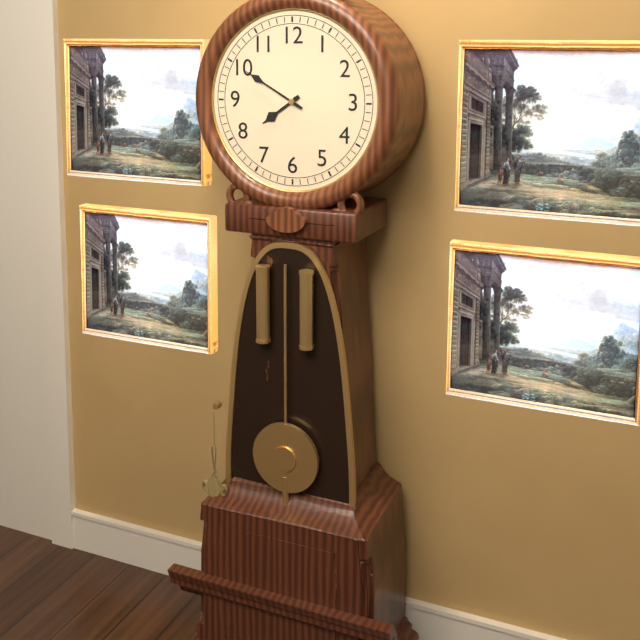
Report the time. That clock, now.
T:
7:50
